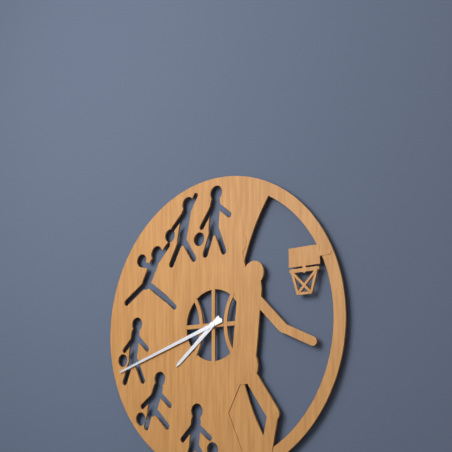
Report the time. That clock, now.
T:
7:42
